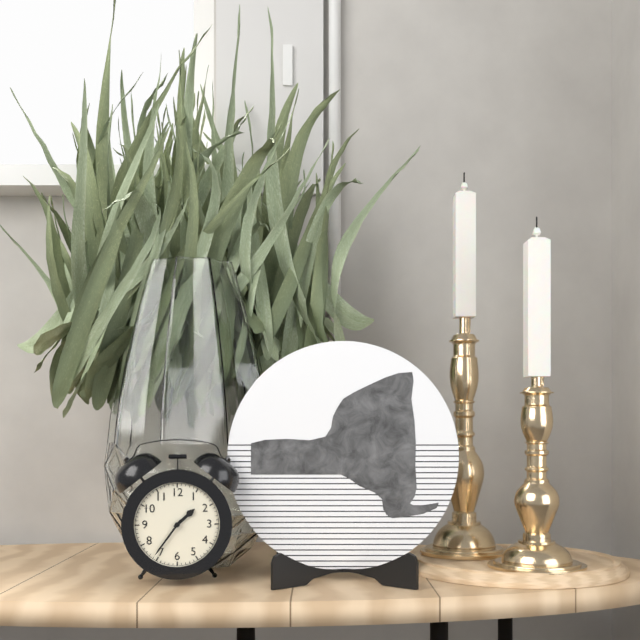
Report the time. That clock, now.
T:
1:36
